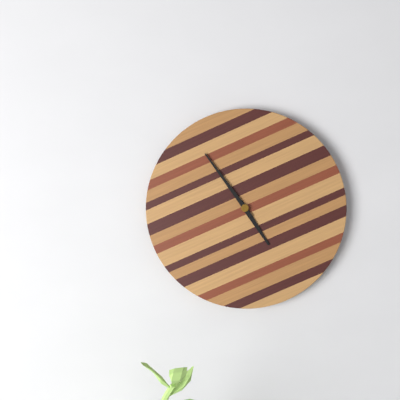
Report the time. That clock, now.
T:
4:54
